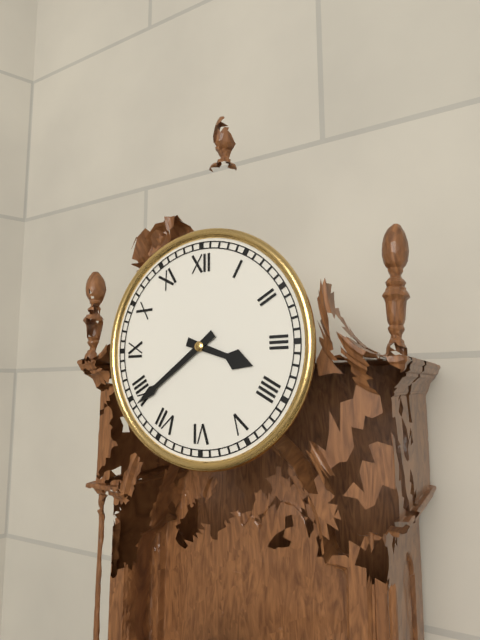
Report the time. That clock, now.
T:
3:39
